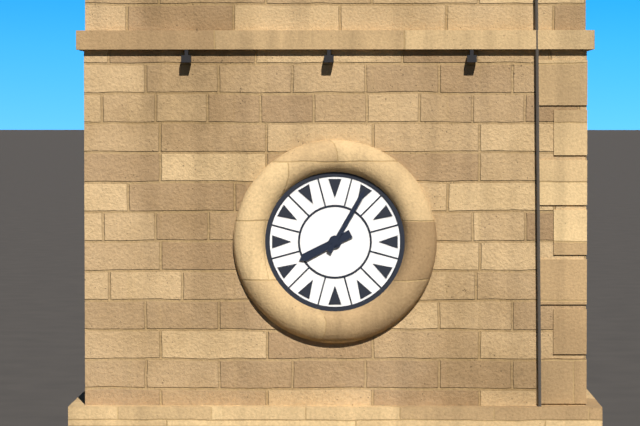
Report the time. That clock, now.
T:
8:05
